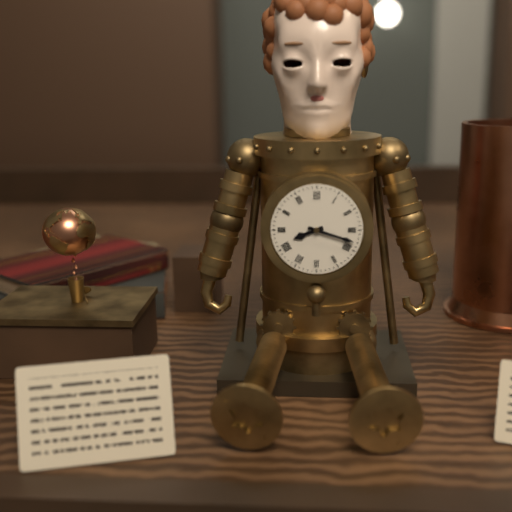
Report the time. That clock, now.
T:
8:18
